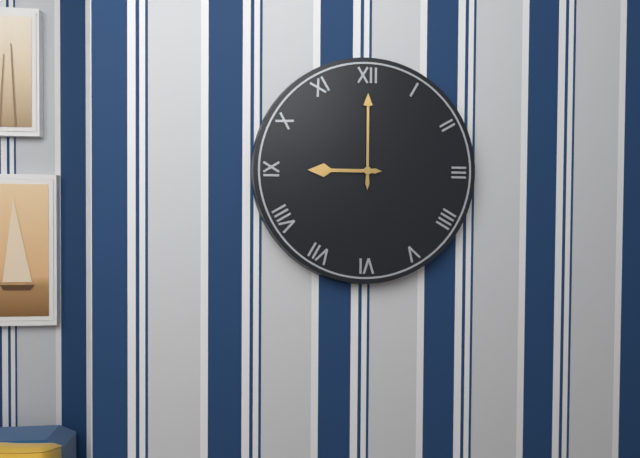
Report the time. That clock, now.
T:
9:00
